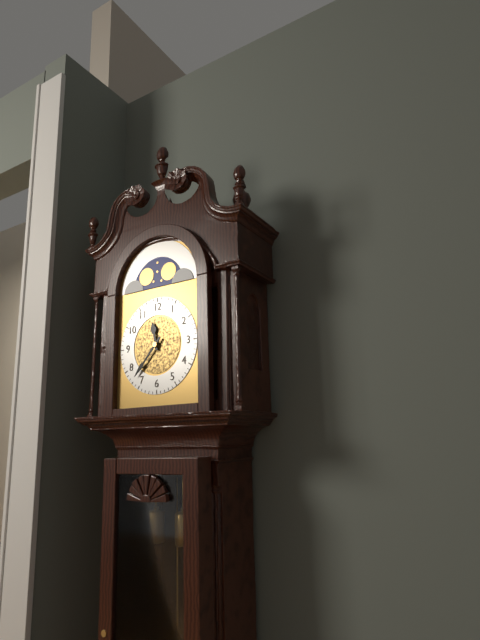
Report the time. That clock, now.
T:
11:37
